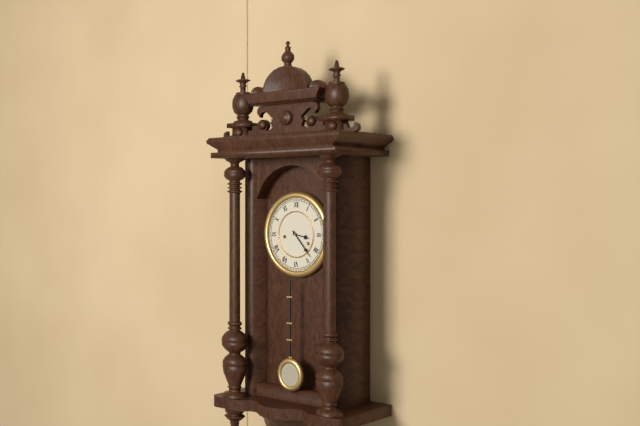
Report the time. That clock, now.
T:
3:23
